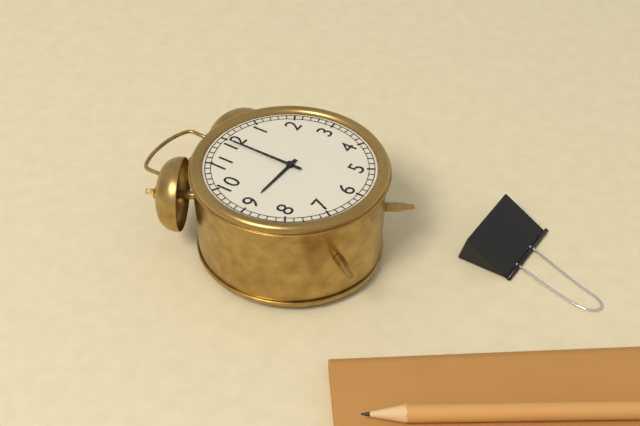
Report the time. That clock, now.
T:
9:00
